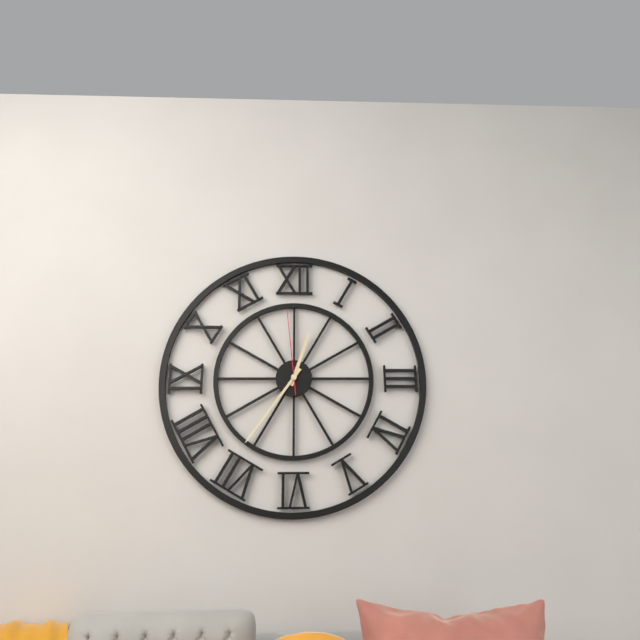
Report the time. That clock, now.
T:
12:36:59
